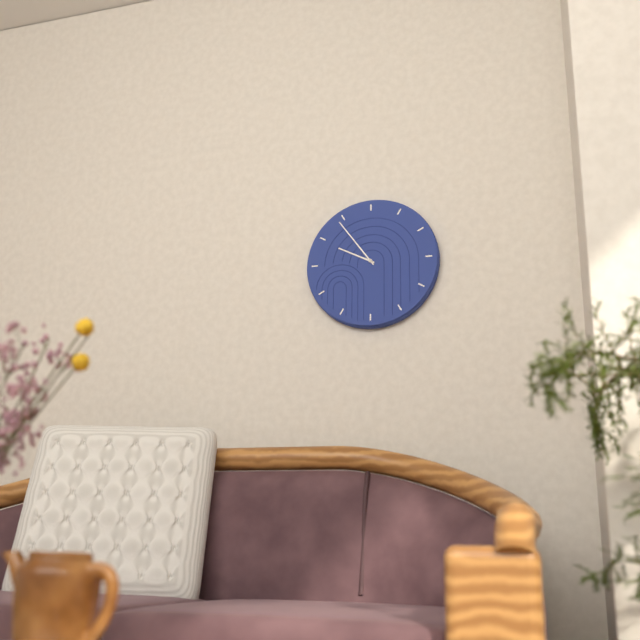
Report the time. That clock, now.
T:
9:54
